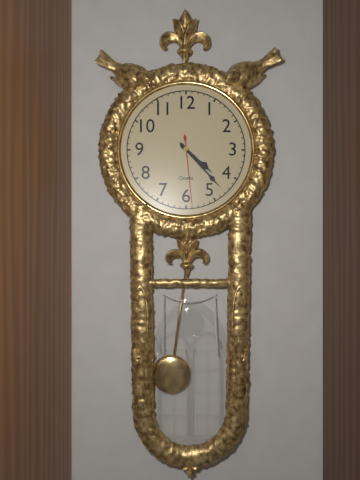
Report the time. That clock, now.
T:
4:23:29
